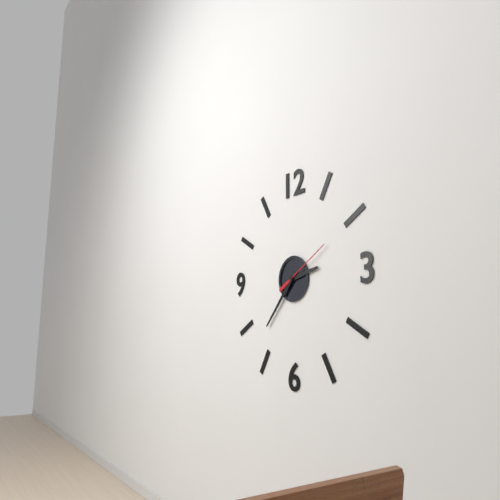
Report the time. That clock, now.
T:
2:37:10
